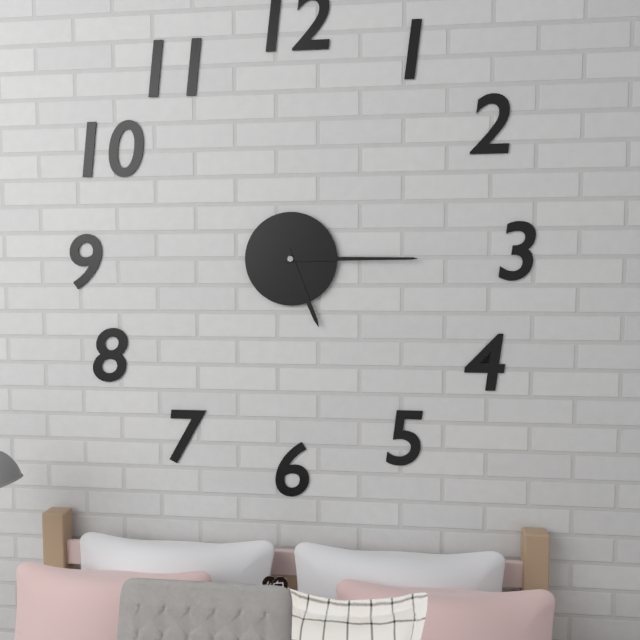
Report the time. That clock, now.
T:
5:15
